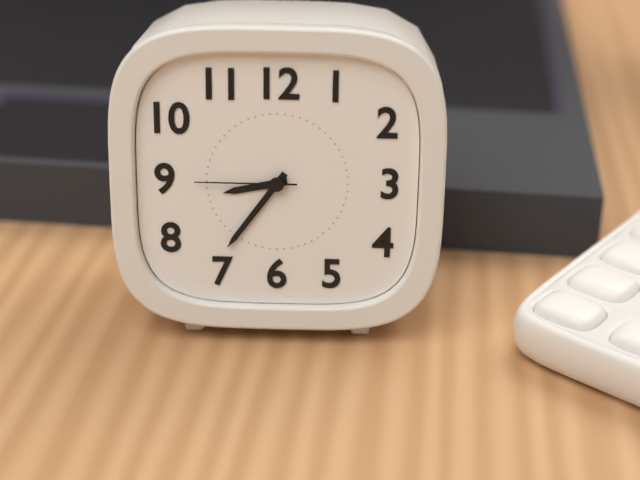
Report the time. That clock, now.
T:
8:36:45
